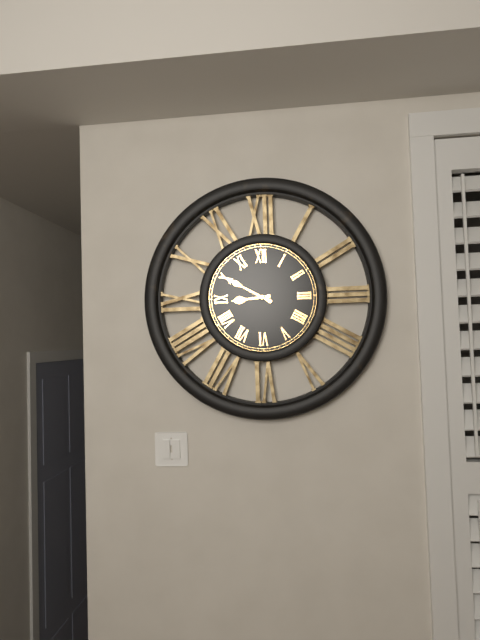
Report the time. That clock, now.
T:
8:50
